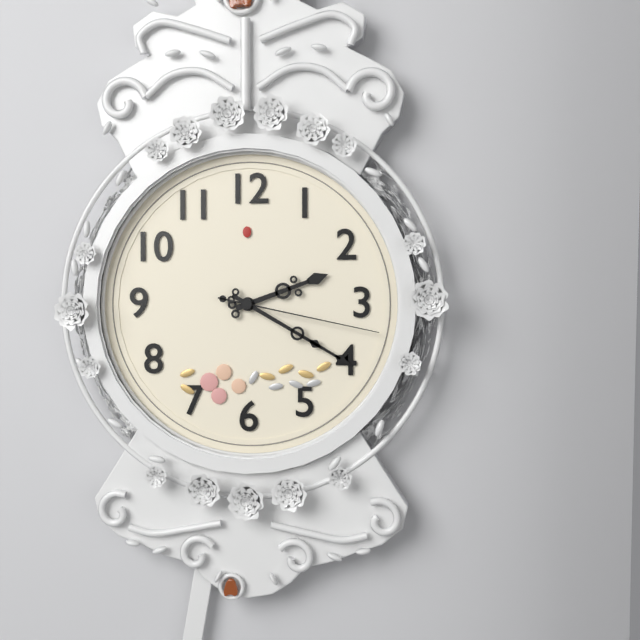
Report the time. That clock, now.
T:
2:20:17
